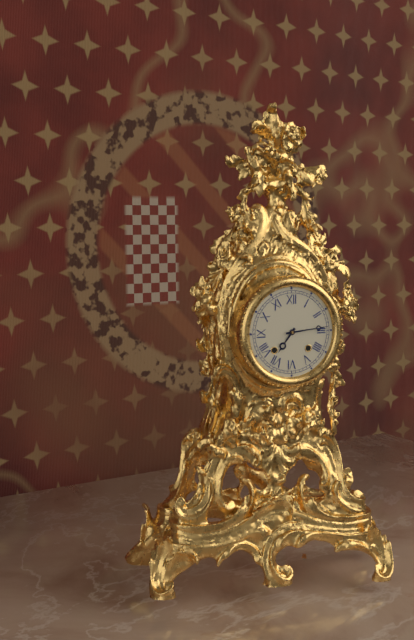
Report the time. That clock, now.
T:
7:14
